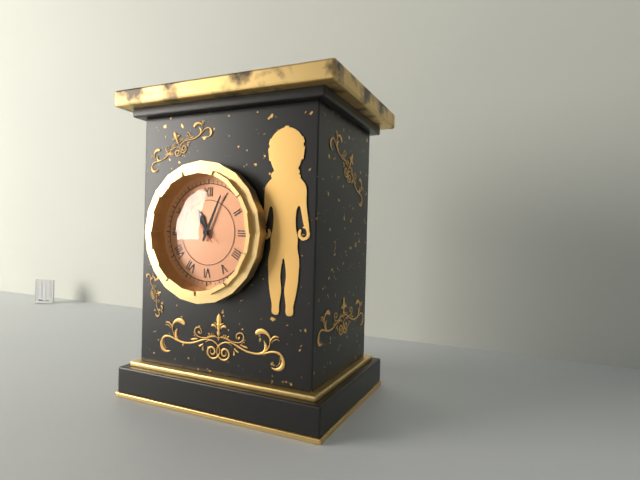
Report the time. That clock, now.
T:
11:04
